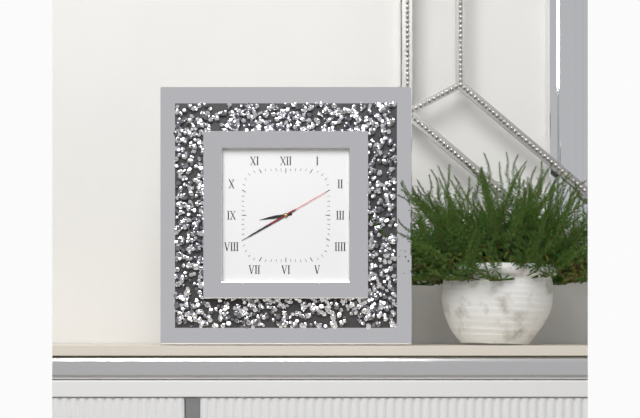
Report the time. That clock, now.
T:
8:40:10
